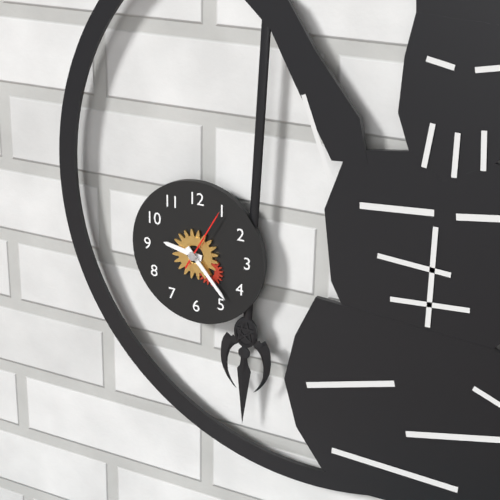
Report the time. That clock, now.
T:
9:23:05
